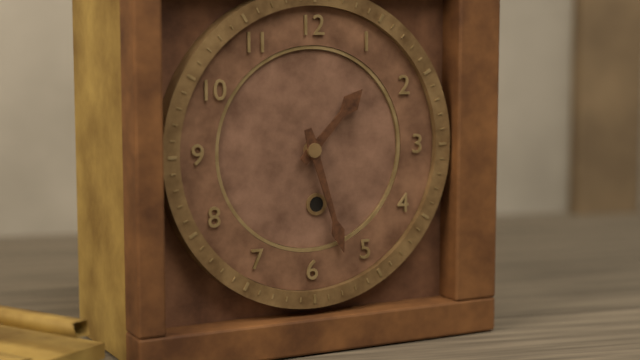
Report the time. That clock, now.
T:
1:27
